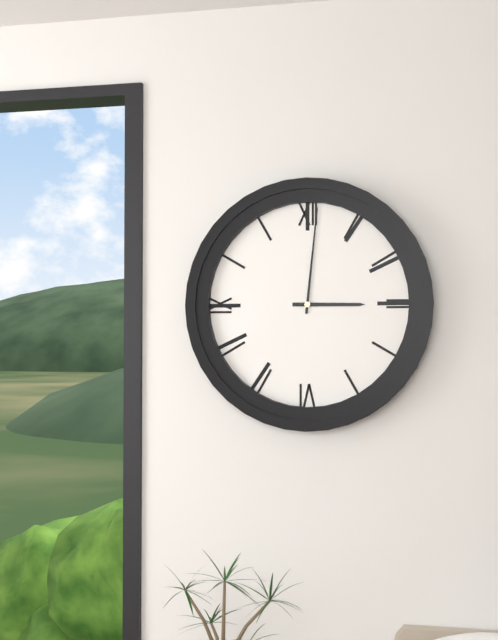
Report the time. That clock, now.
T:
3:01
